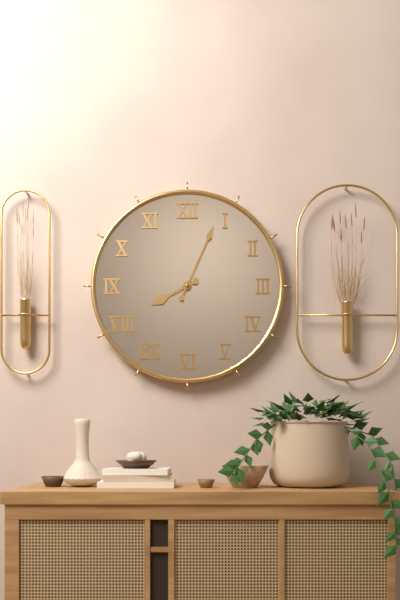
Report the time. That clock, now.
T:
8:04
